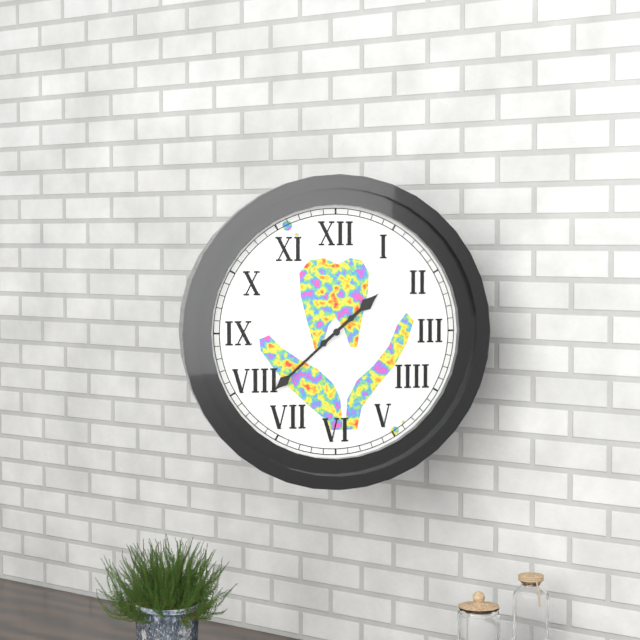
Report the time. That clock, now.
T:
1:38
